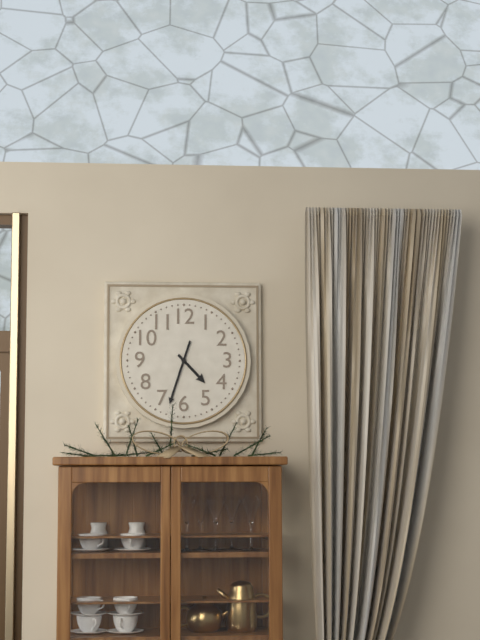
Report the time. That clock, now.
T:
4:33
